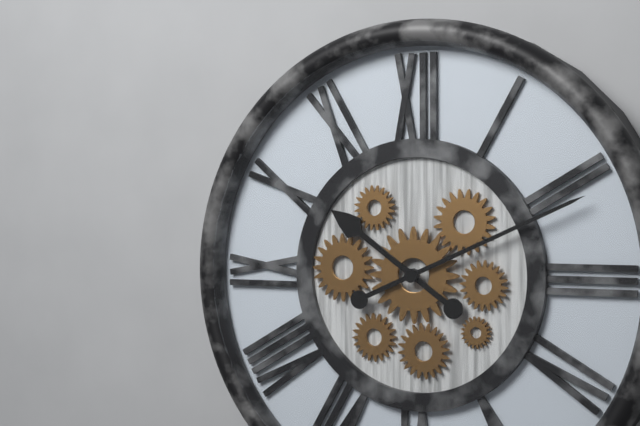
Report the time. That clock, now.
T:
10:11
